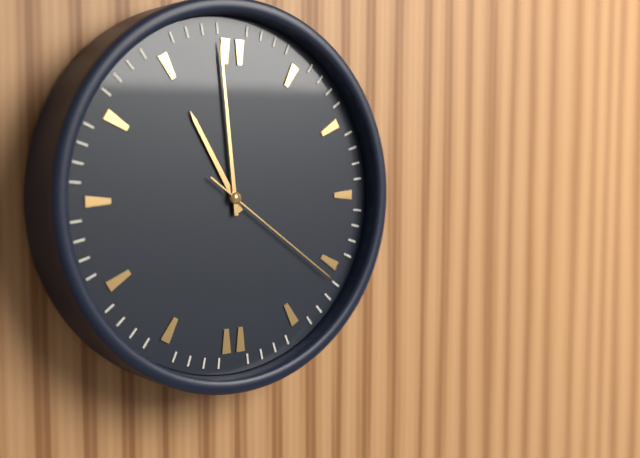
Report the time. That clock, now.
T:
10:59:21
